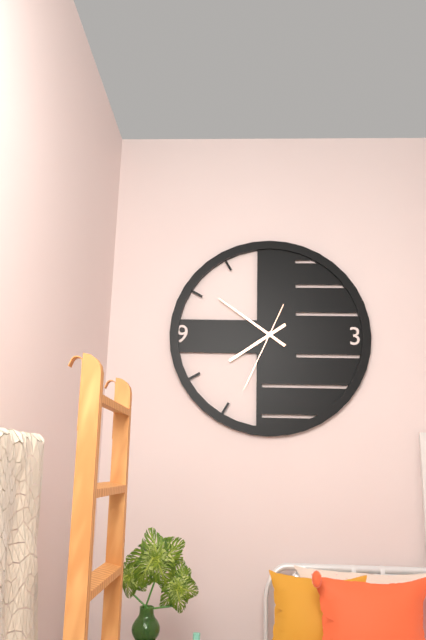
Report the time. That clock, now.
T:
7:51:34
